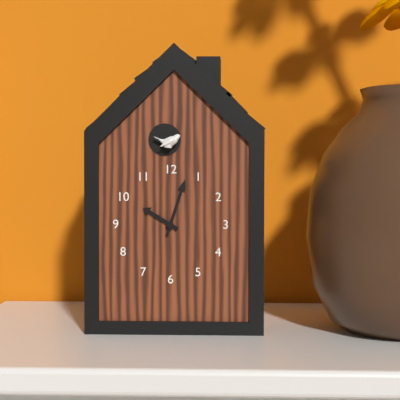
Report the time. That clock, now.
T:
10:03
